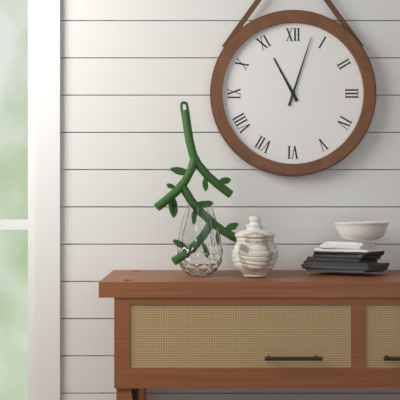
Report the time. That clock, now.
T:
11:03
